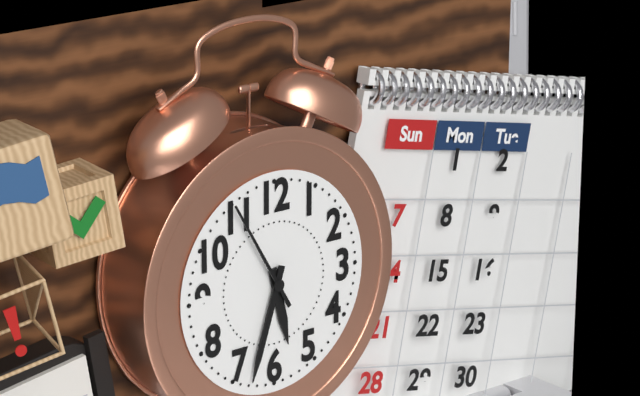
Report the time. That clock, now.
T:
5:33:55
